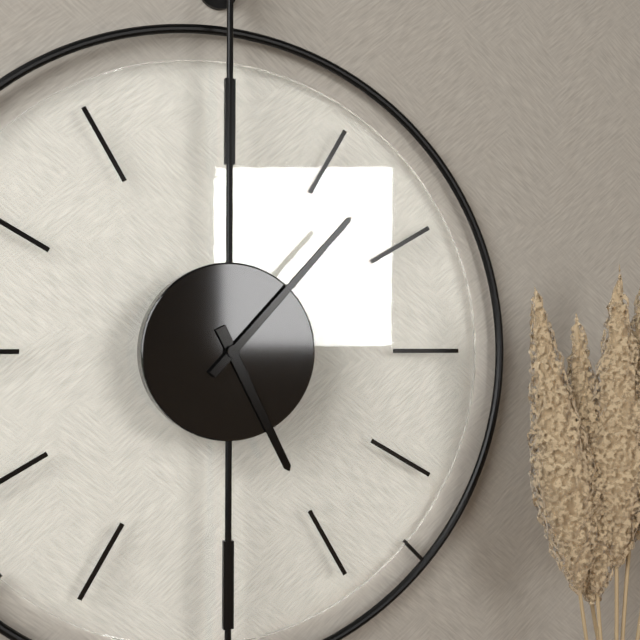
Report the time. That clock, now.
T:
5:07
